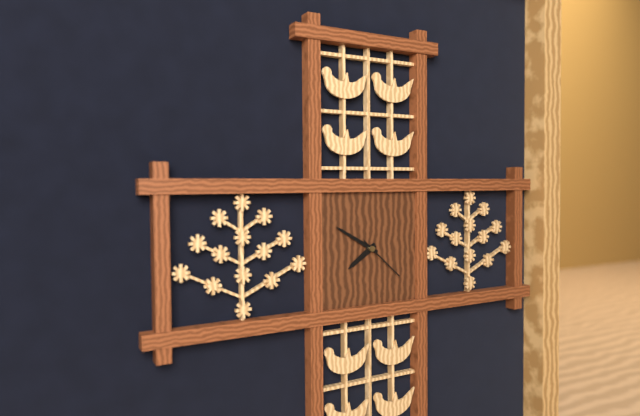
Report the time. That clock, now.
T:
7:50:22
